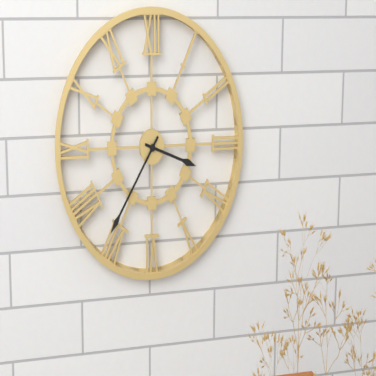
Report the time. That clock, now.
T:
3:36
